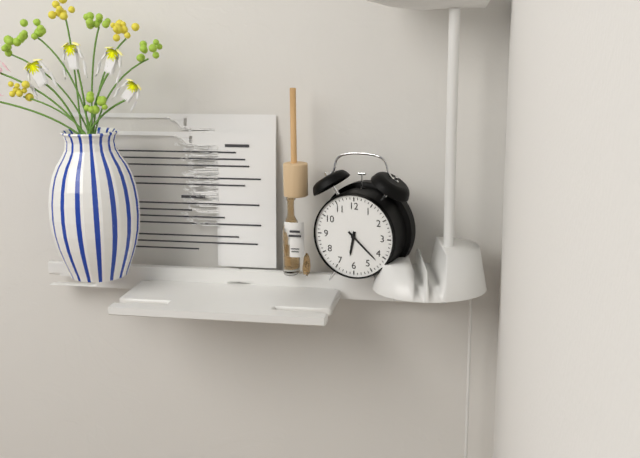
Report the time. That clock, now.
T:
6:22
